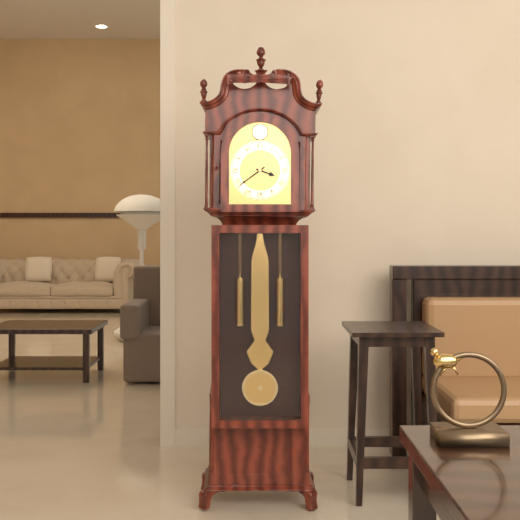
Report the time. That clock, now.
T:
3:39
